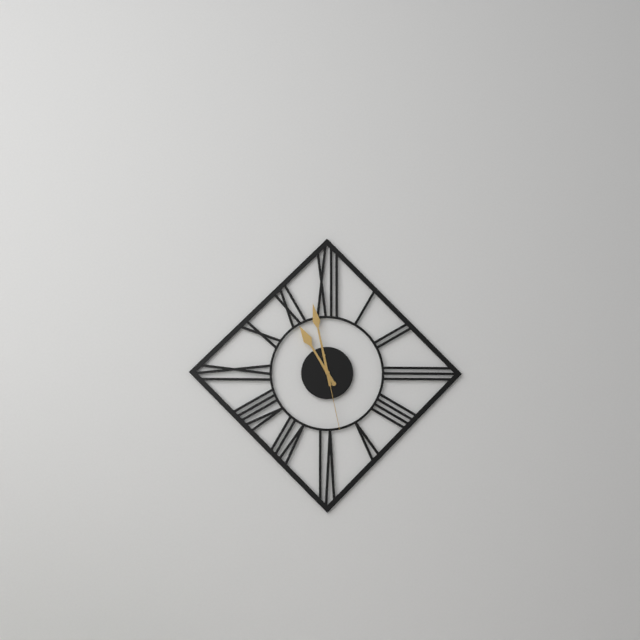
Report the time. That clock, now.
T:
10:58:28
